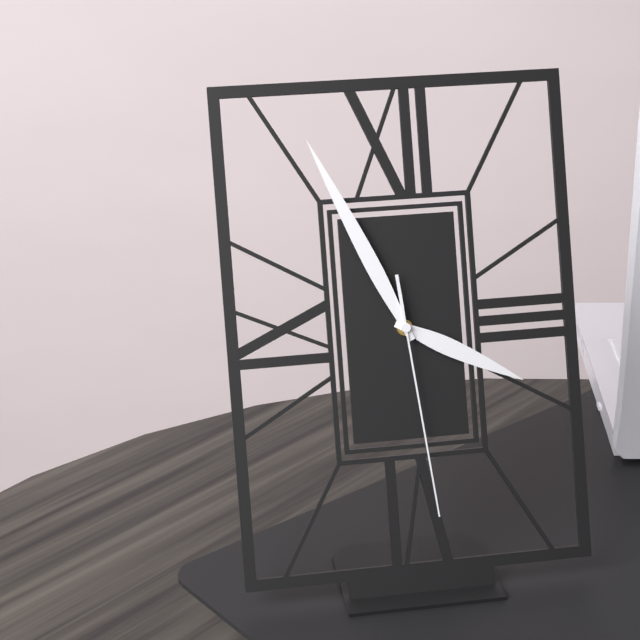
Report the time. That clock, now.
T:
3:56:29
